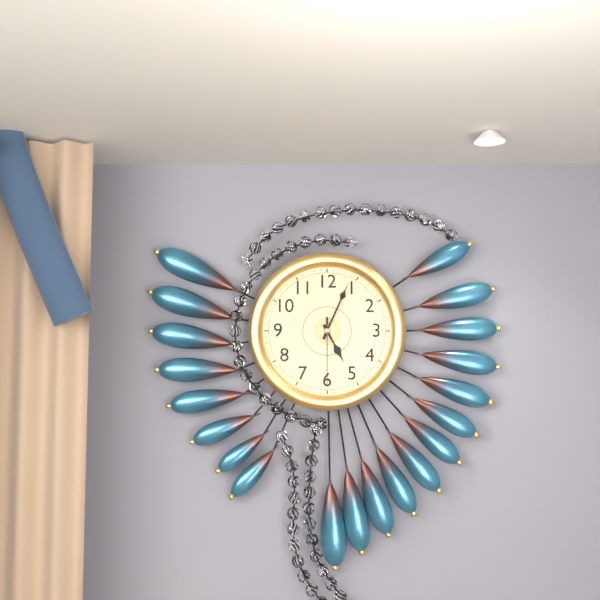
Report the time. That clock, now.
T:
5:04:30
